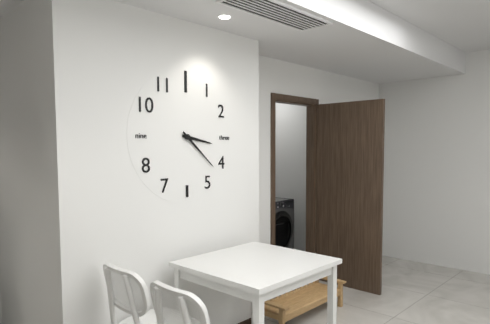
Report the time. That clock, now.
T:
3:22
